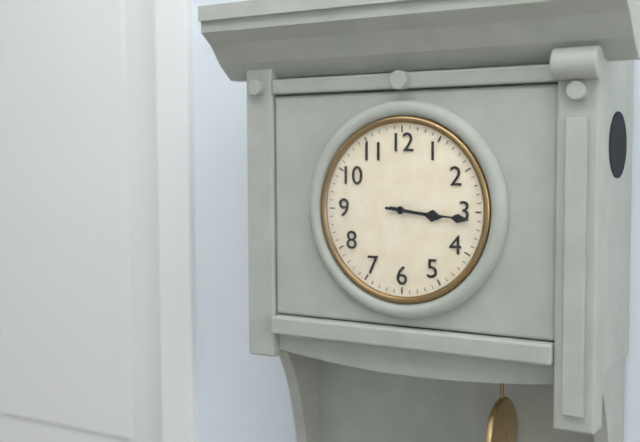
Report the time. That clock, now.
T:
3:16
